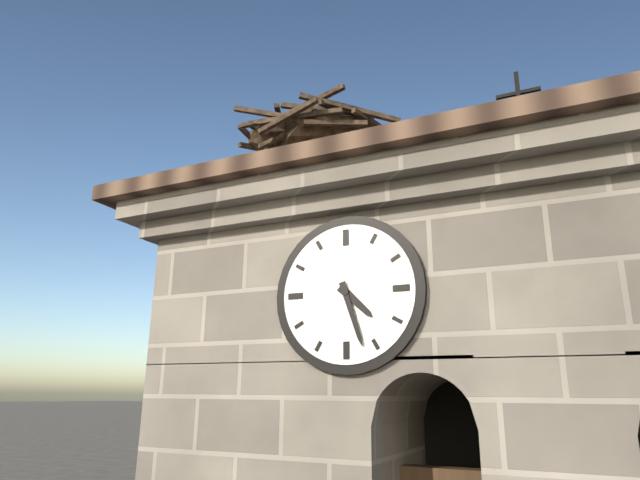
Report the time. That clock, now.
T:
4:27
